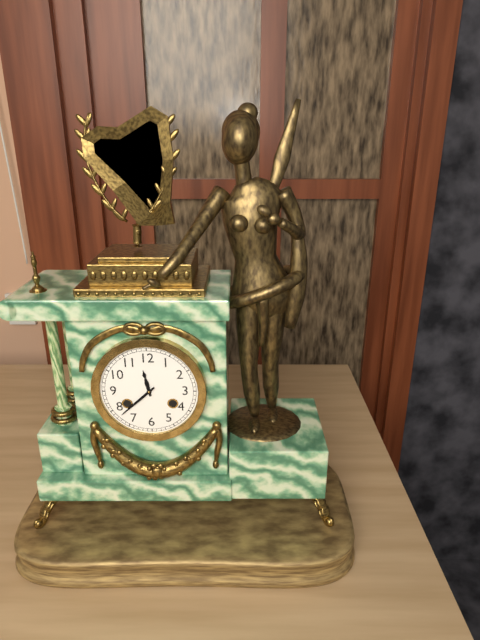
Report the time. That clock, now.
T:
11:38
